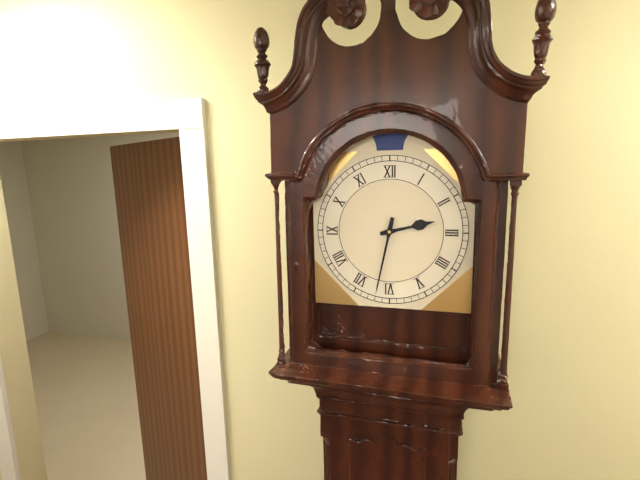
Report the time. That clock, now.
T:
2:32
